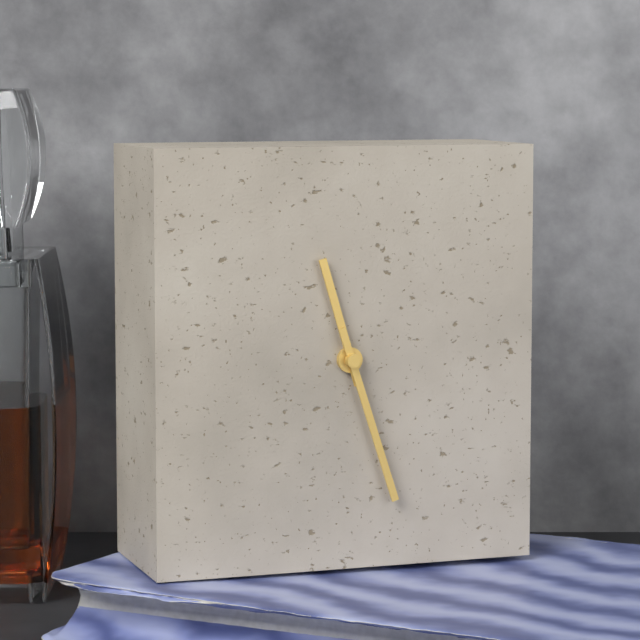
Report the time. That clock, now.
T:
11:27
